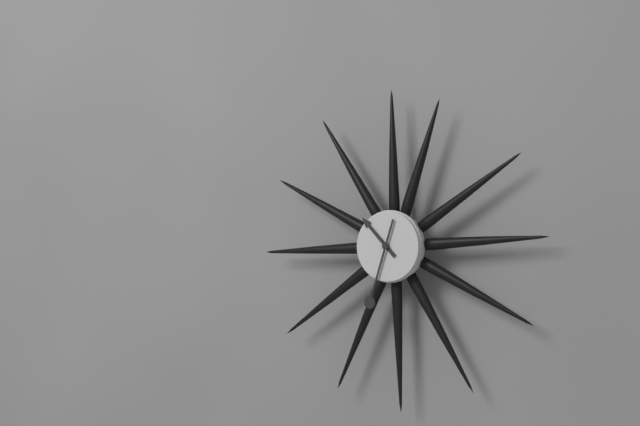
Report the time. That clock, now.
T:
10:33
